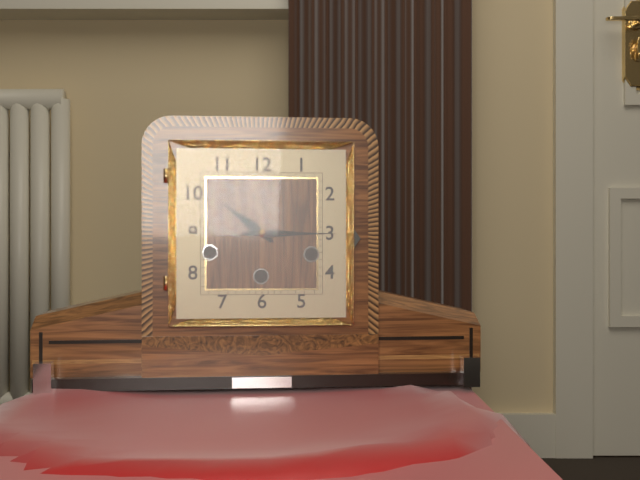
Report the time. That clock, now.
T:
10:15
